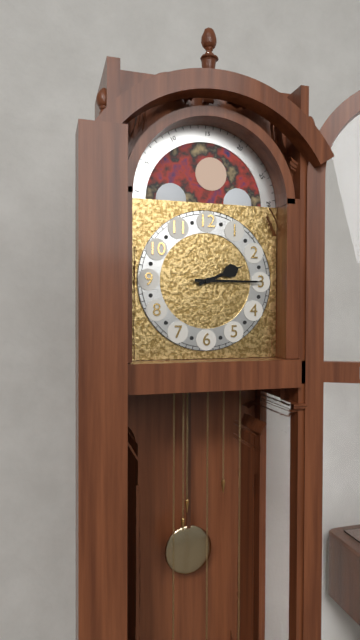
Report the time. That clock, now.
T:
2:15
